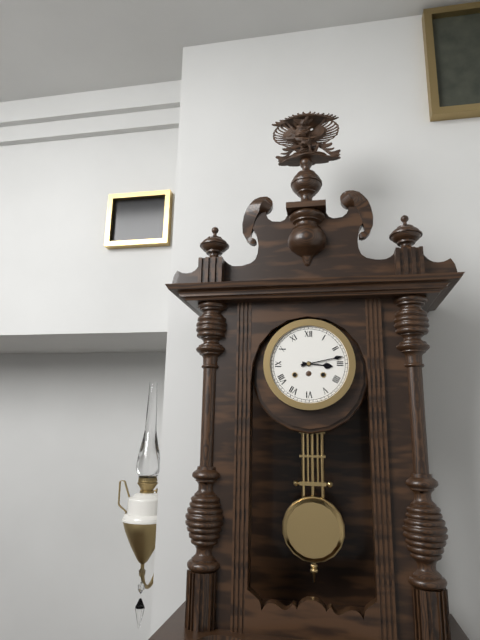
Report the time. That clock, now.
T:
3:13
